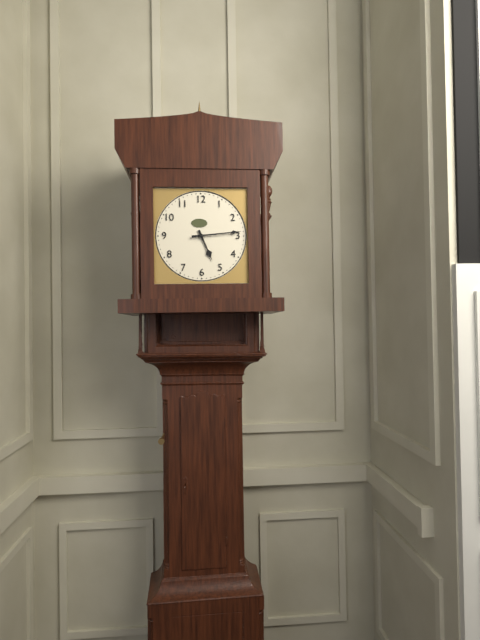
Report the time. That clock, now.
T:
5:14
